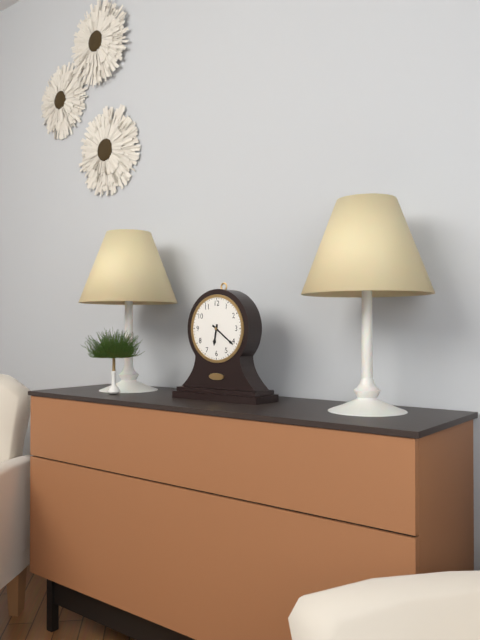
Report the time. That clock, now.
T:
6:21
